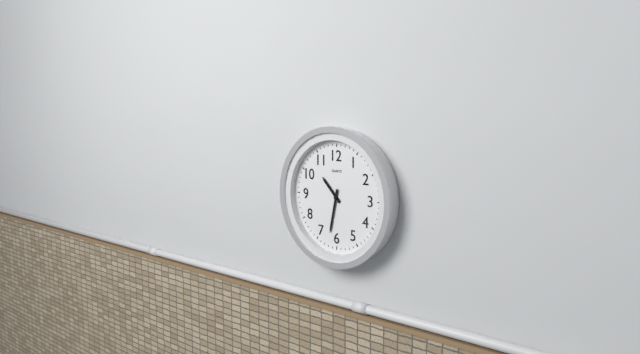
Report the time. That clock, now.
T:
10:32
